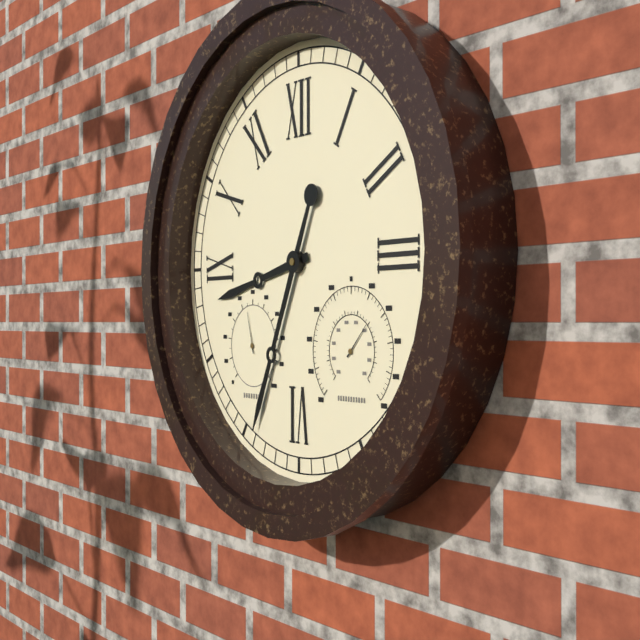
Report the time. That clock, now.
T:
8:34
